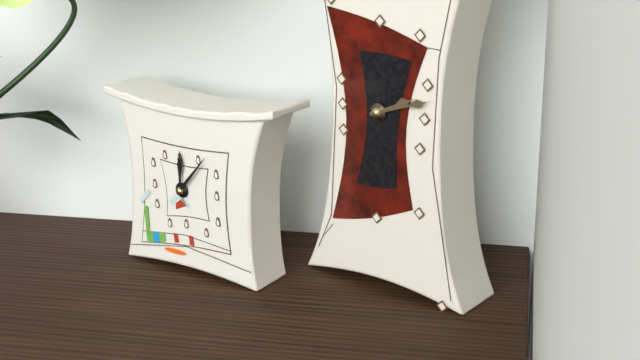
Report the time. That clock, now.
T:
2:12
